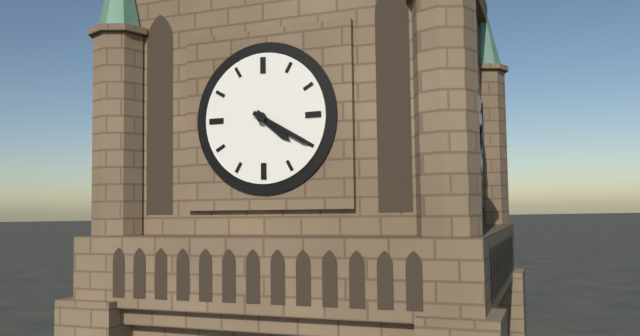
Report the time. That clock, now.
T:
4:20
